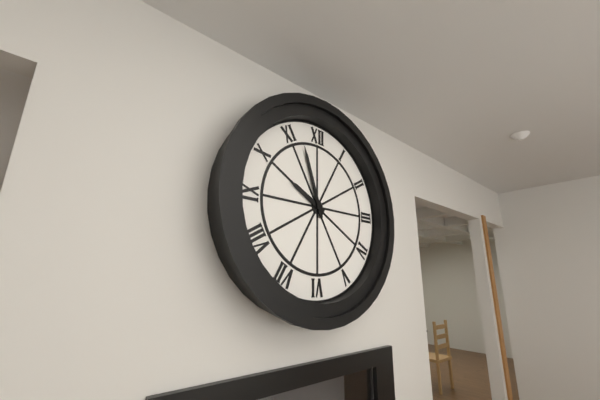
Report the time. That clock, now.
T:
9:57
